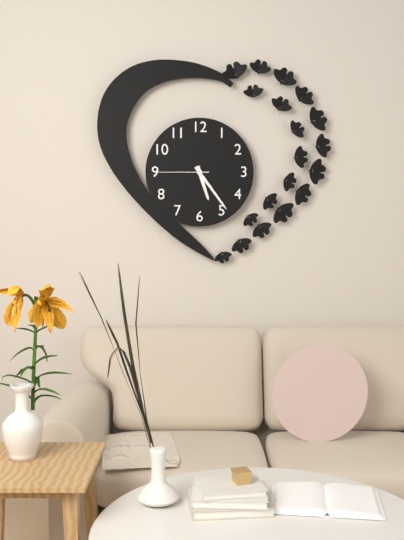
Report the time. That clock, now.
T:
5:24:45
